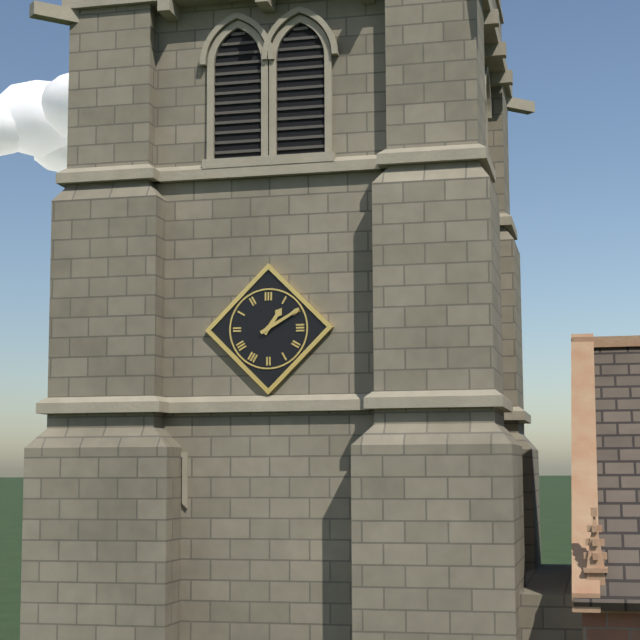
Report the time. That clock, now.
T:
1:10
